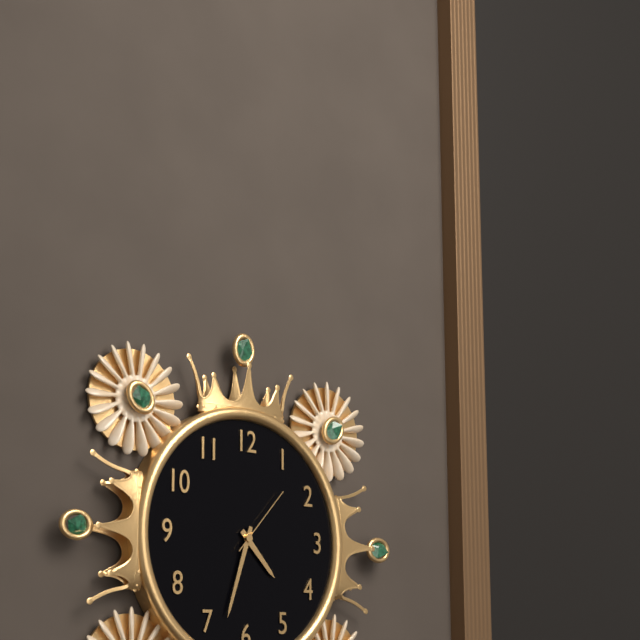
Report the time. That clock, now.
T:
4:33:07
